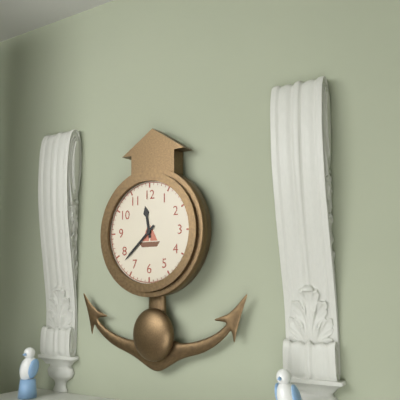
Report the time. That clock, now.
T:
11:38
